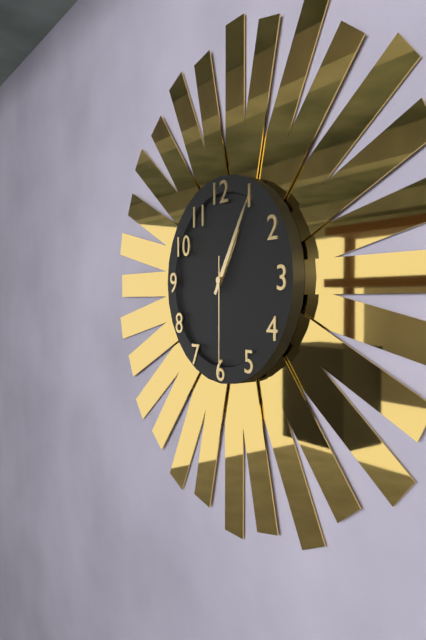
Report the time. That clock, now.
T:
1:05:30
